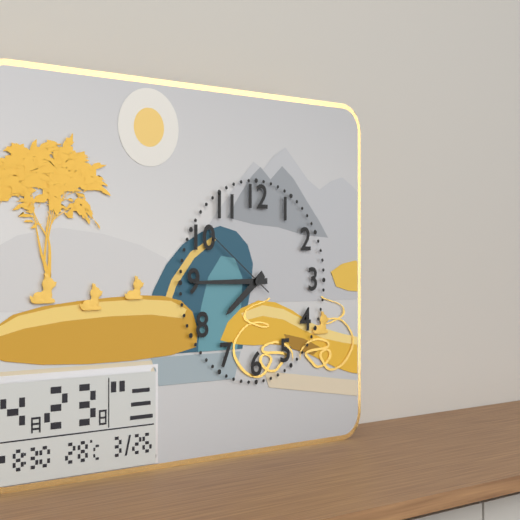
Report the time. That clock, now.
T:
7:45:51
